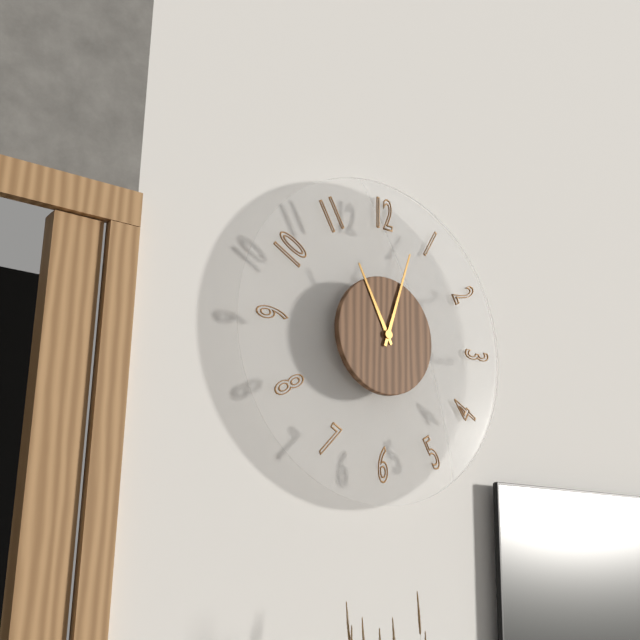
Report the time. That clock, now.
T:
11:03
